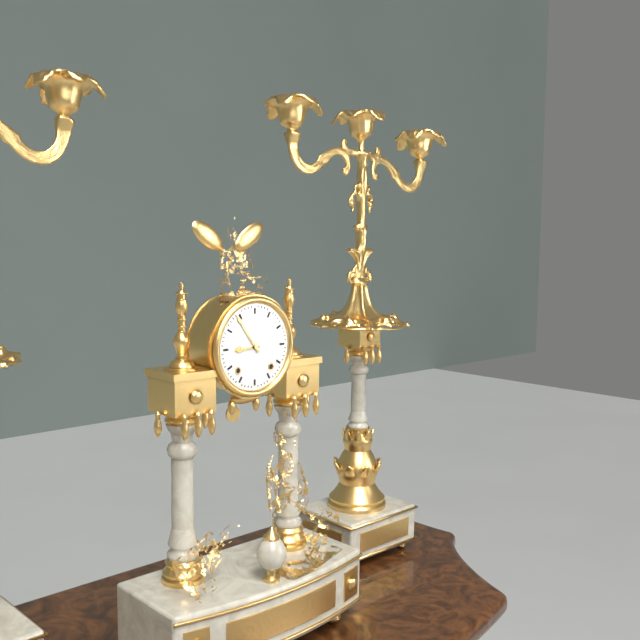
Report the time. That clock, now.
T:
8:54
